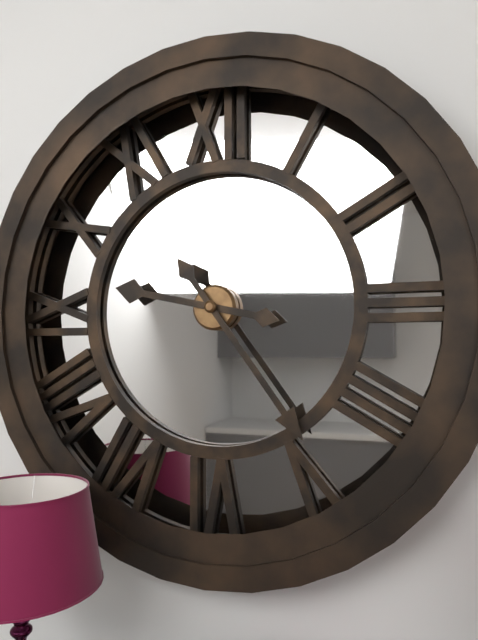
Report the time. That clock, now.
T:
9:24
